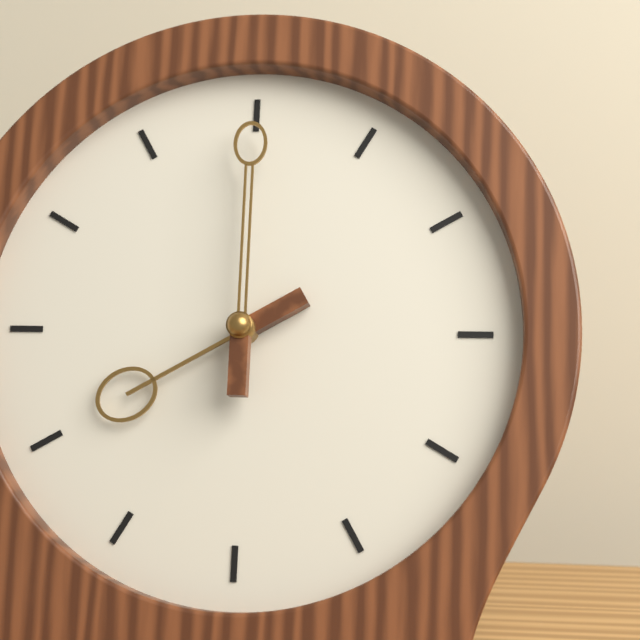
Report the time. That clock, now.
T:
8:00
